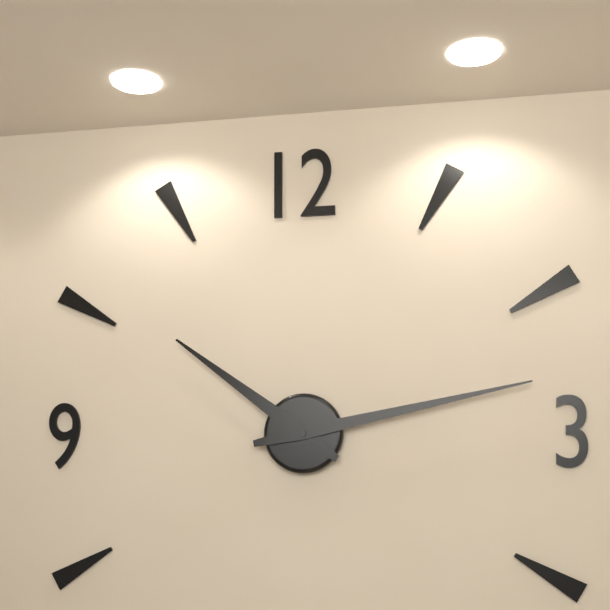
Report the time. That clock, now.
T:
10:13
